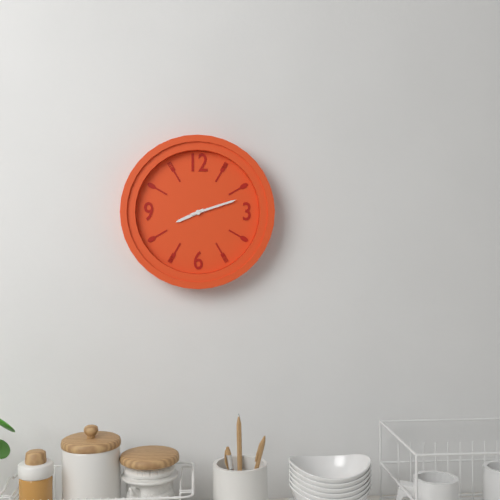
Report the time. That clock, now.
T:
8:12
